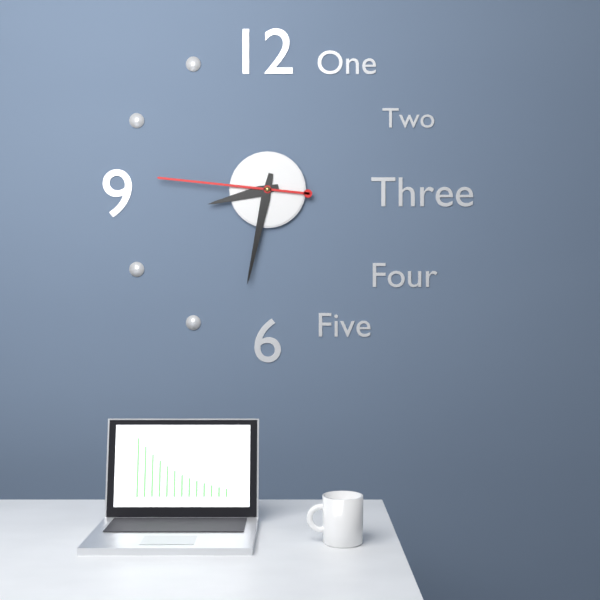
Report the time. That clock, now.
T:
8:32:46
